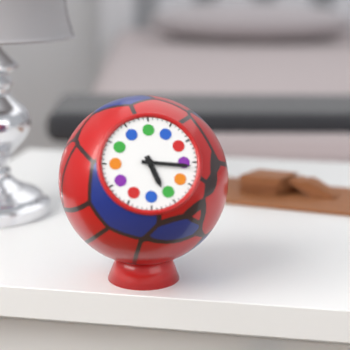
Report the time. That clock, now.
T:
5:16
